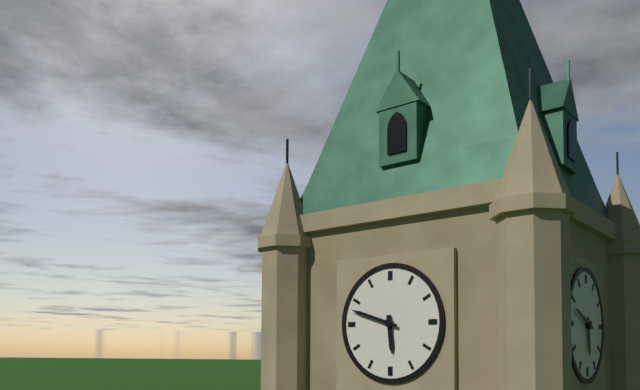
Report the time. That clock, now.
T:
5:48
